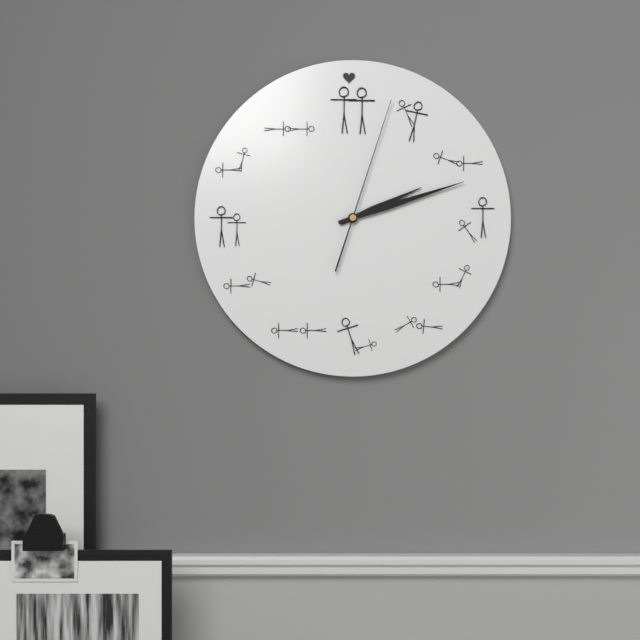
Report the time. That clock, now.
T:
2:12:03
